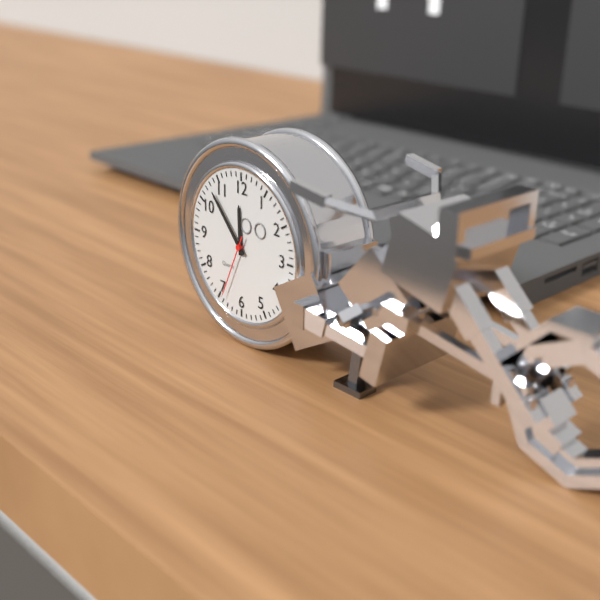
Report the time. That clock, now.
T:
11:53:34
